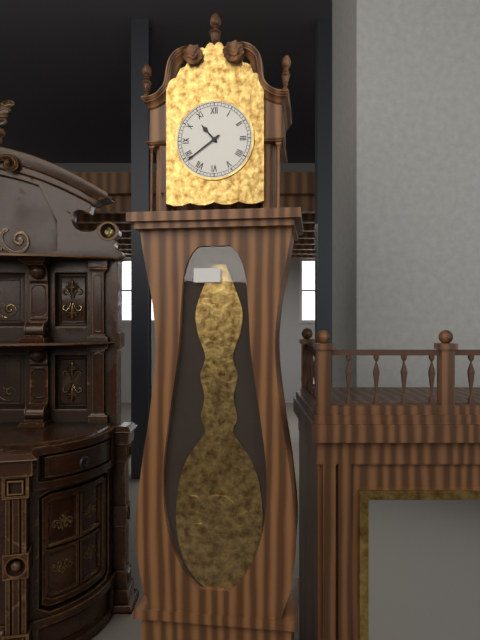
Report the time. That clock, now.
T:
10:39
